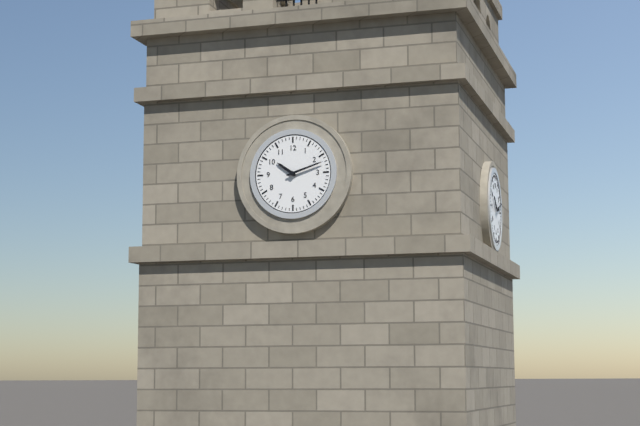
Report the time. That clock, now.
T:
10:12
